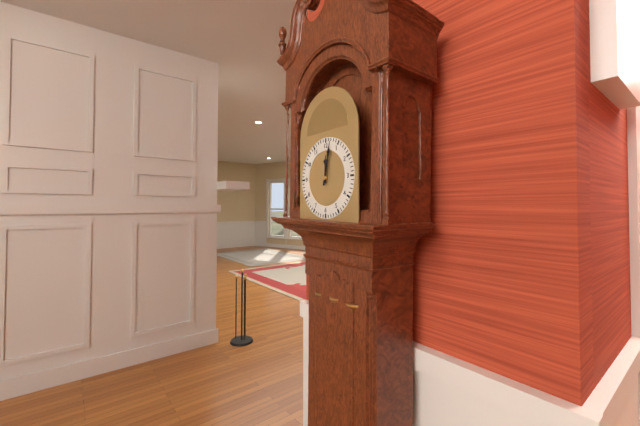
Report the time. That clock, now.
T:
12:02
